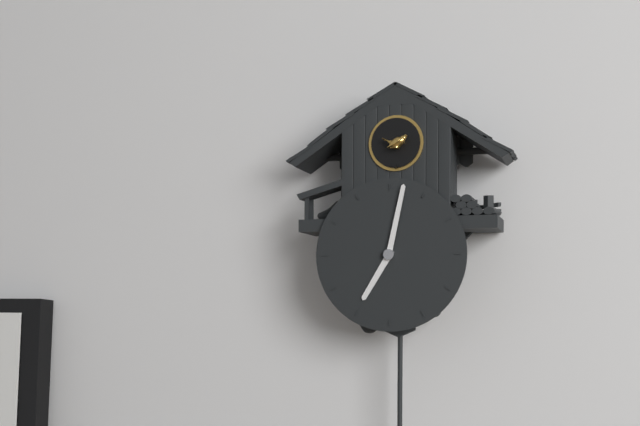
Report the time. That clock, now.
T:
7:02
